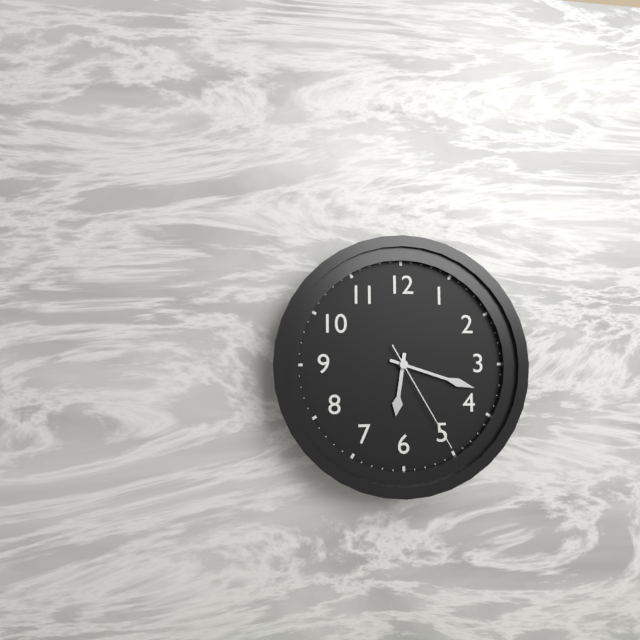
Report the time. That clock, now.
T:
6:18:25
